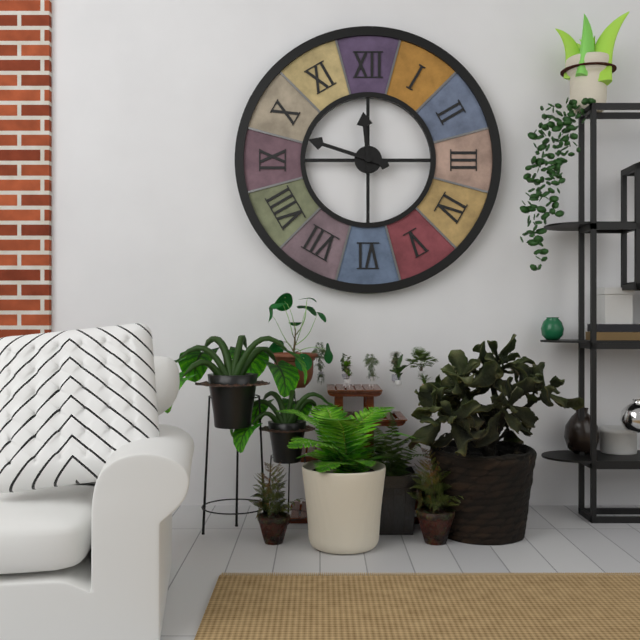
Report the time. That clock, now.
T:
11:48
